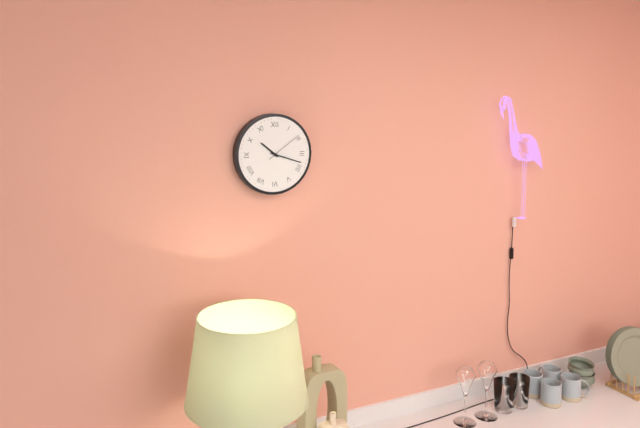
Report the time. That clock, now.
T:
10:18
